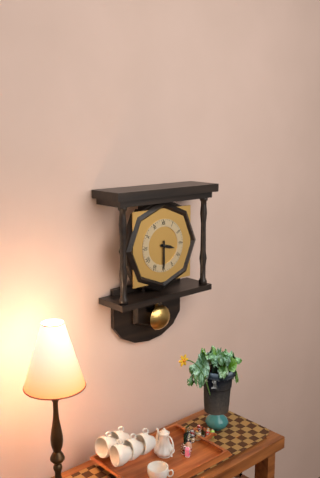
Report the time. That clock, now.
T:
3:30
